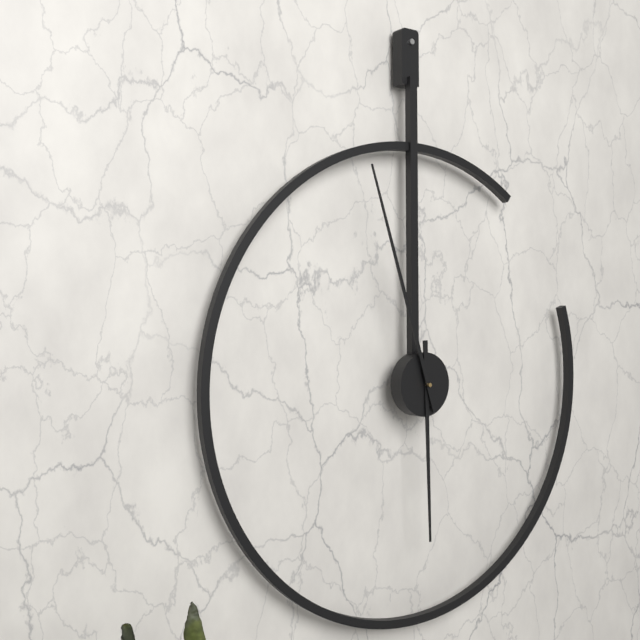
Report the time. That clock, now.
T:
5:57
